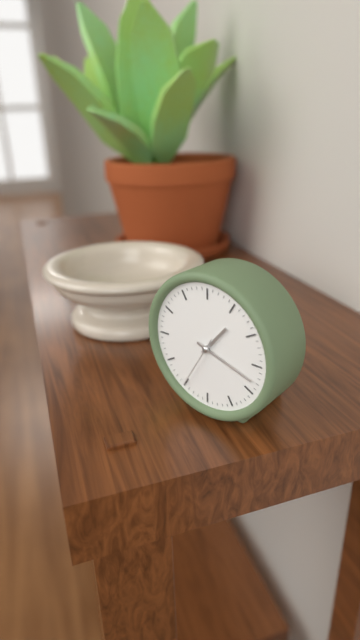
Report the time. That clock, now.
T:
1:18:35
